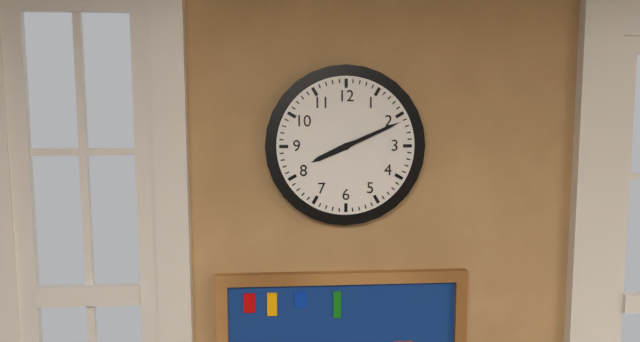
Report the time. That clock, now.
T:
8:11
